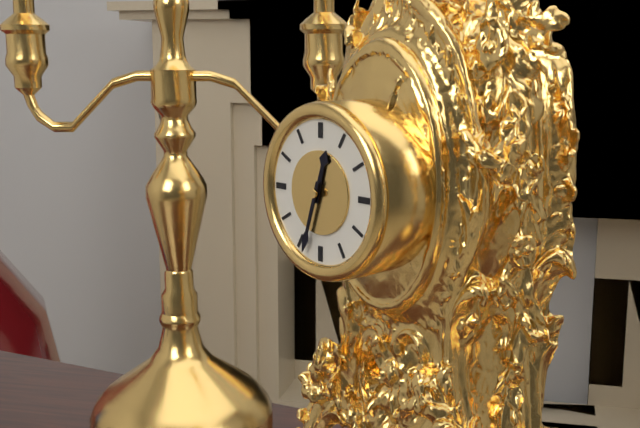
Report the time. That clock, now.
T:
12:33
